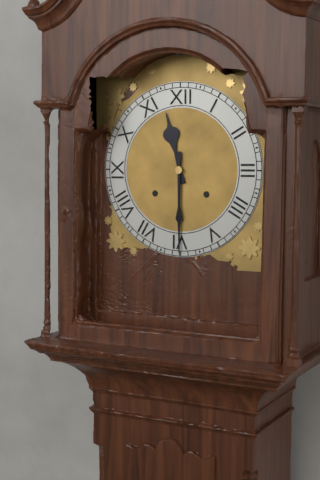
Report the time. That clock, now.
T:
11:30
